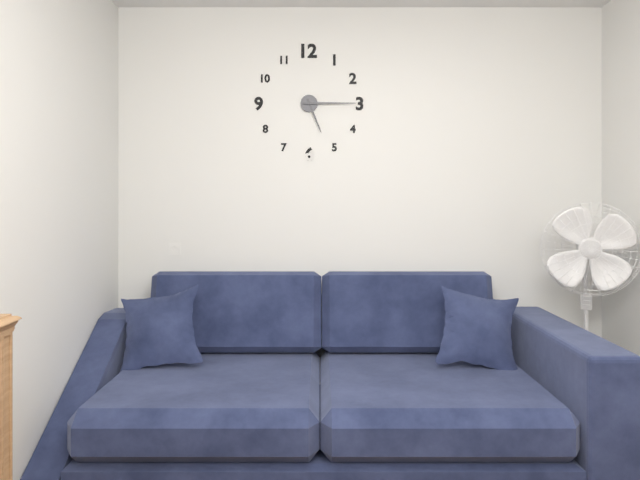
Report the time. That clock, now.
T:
5:15
